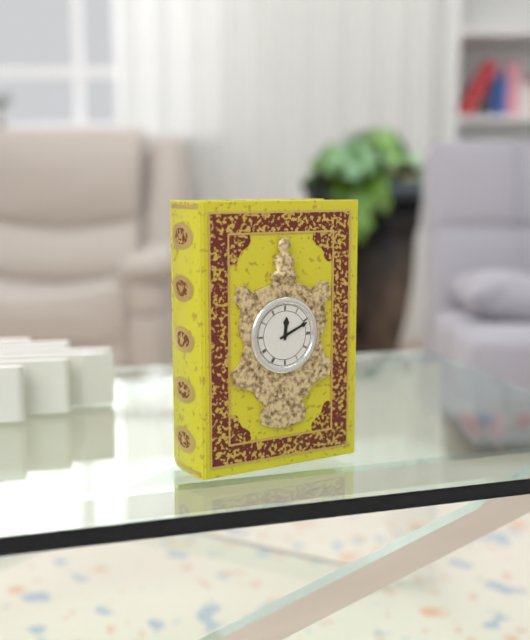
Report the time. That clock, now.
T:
12:11
